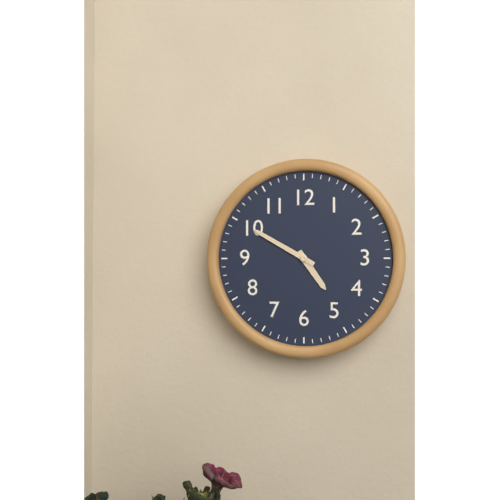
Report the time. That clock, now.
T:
4:50
